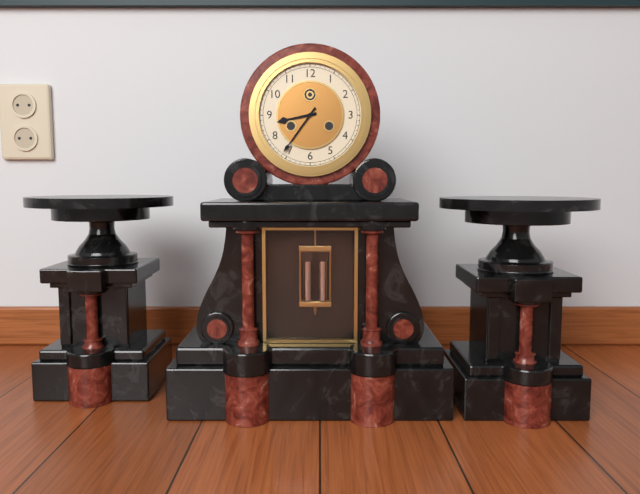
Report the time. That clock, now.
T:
8:36
